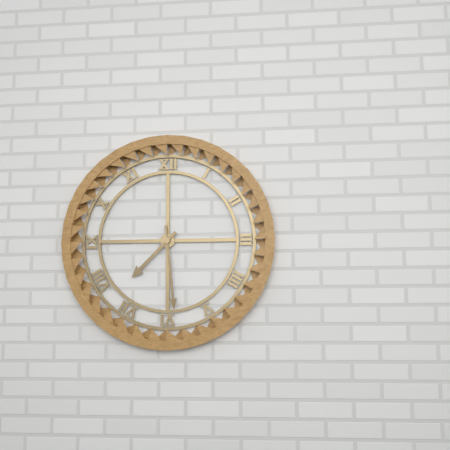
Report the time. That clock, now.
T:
7:29
